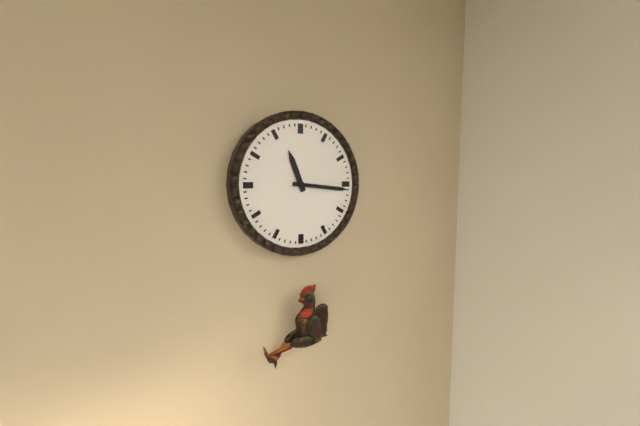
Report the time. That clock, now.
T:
11:16
